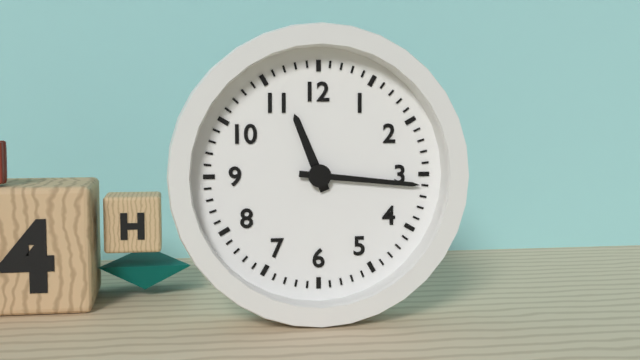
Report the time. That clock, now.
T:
11:16
